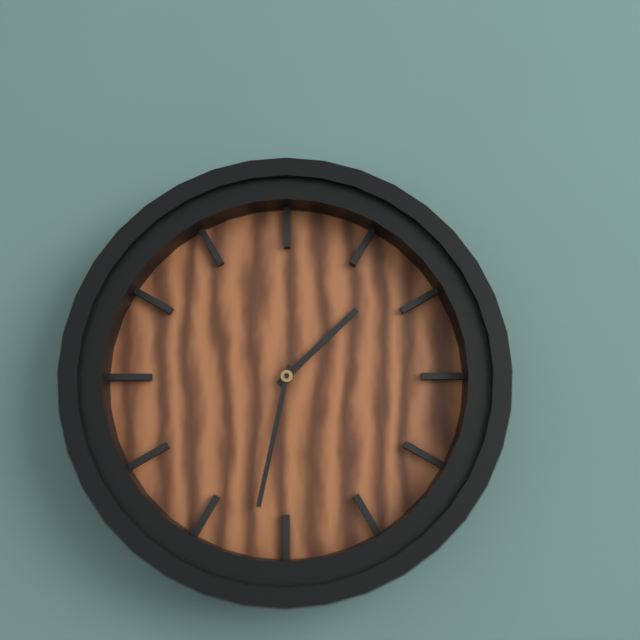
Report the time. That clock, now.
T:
1:32
